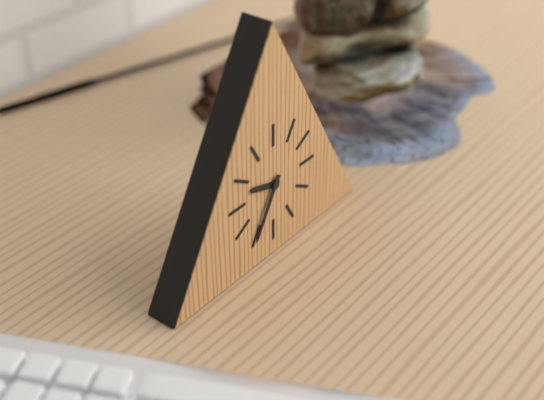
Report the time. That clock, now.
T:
9:35
